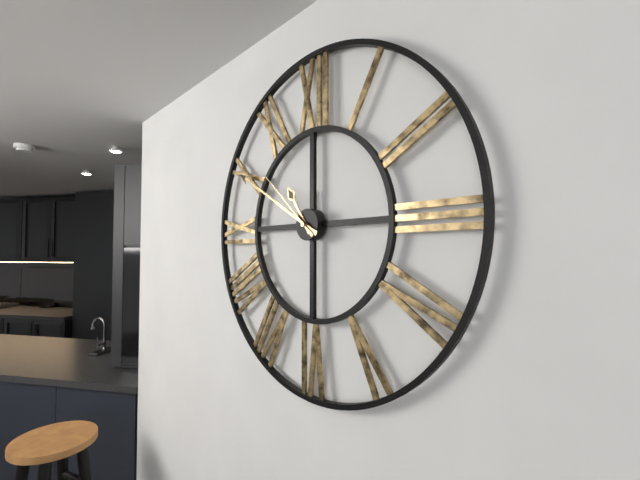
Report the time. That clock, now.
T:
10:50:52
